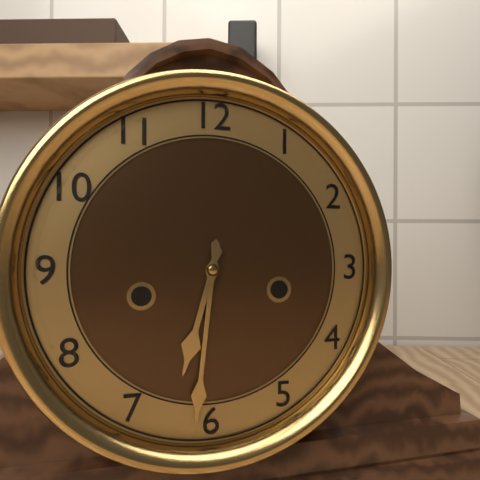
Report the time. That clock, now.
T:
6:31
